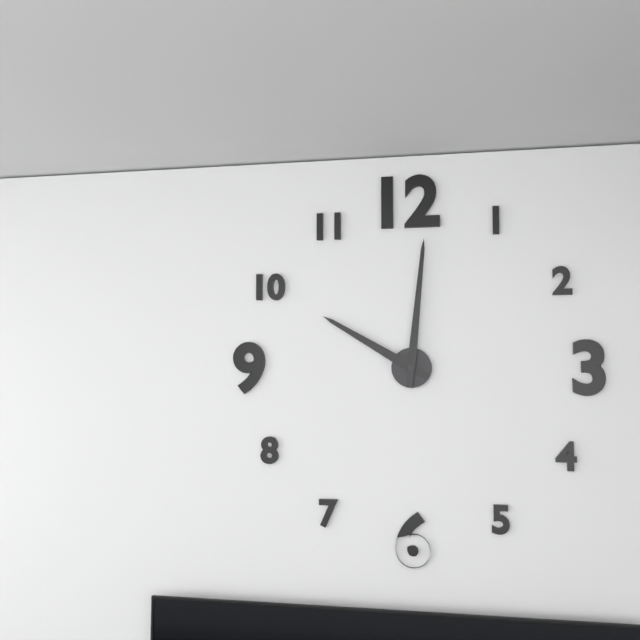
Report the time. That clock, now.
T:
10:01
